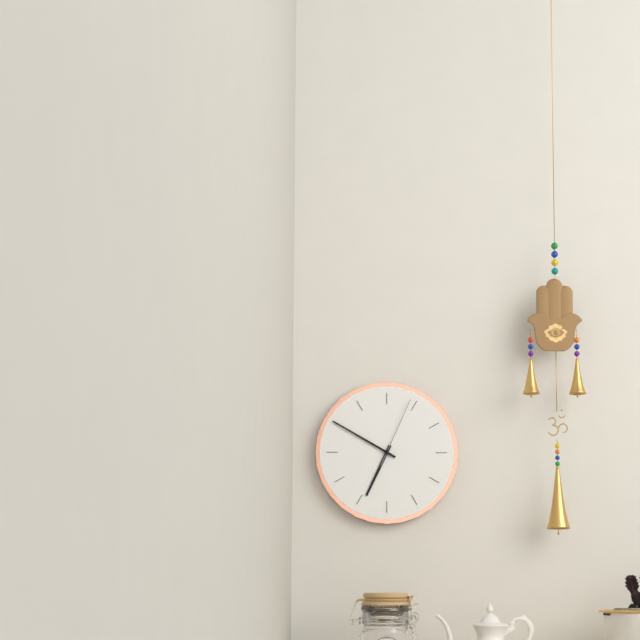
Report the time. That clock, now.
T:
6:50:04
